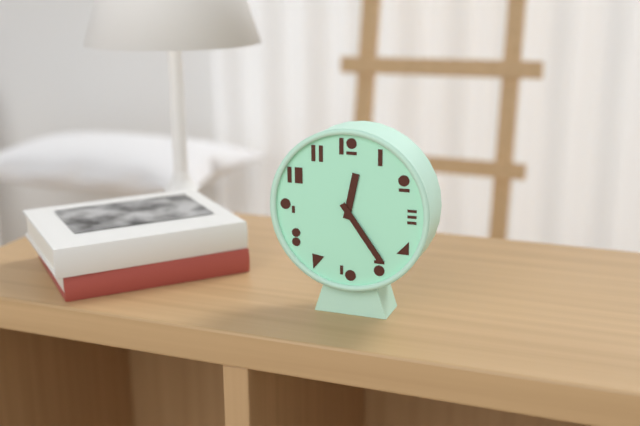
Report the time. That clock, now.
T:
12:24
